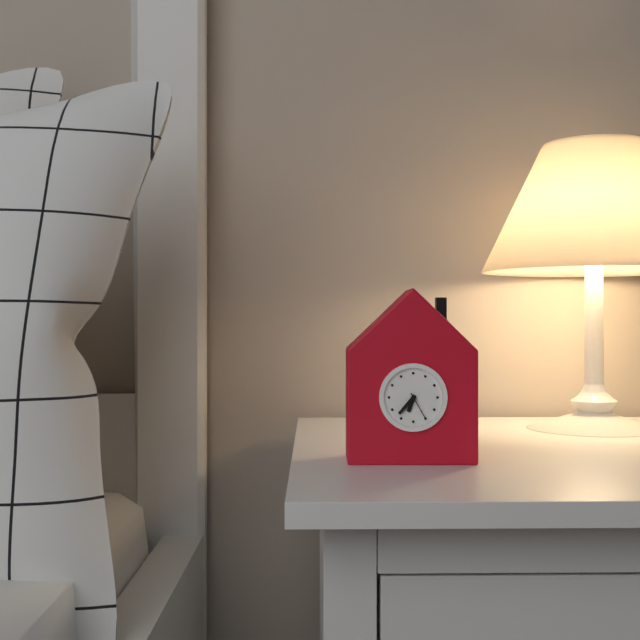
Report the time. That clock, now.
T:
6:37
